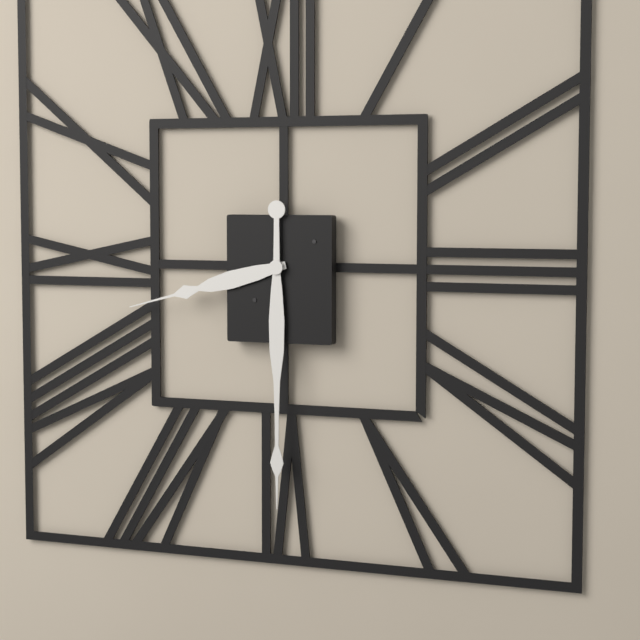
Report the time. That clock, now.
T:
8:30
